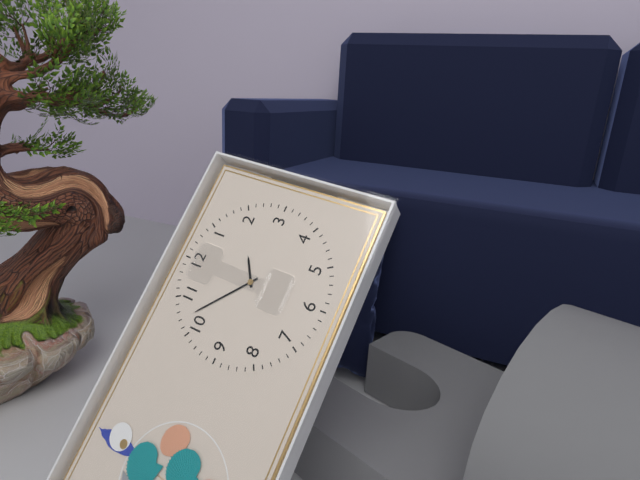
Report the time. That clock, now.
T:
1:52
